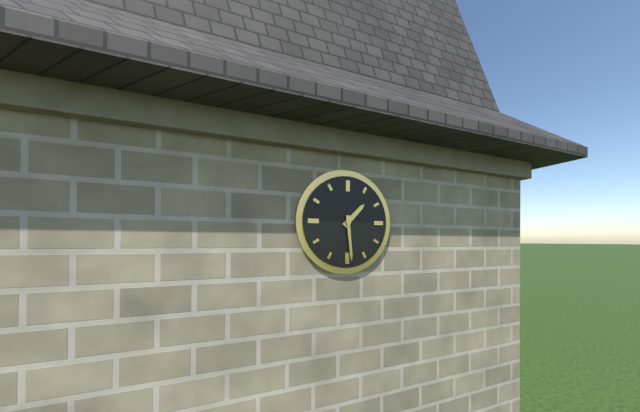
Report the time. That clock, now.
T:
1:29
